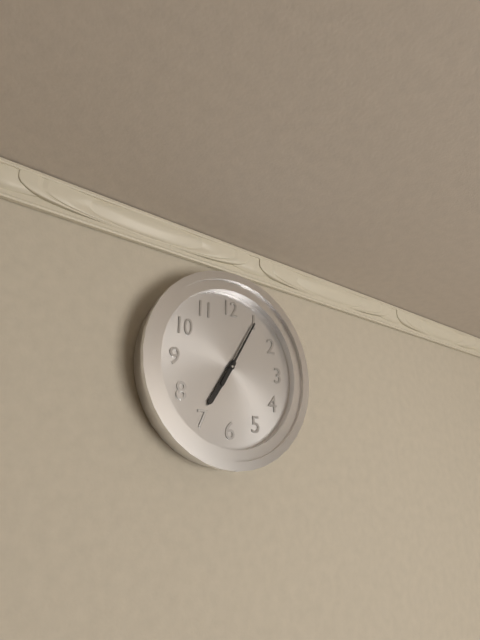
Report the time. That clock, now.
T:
7:05
